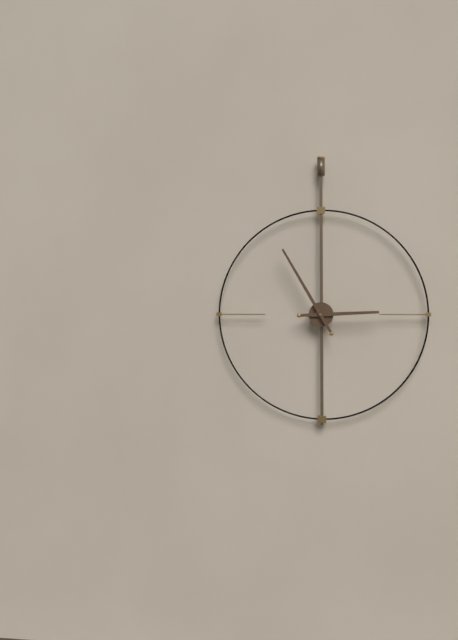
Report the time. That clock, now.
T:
2:55
